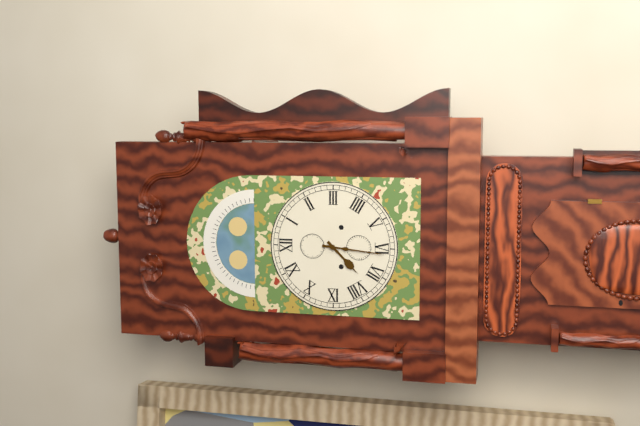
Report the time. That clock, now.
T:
7:31
